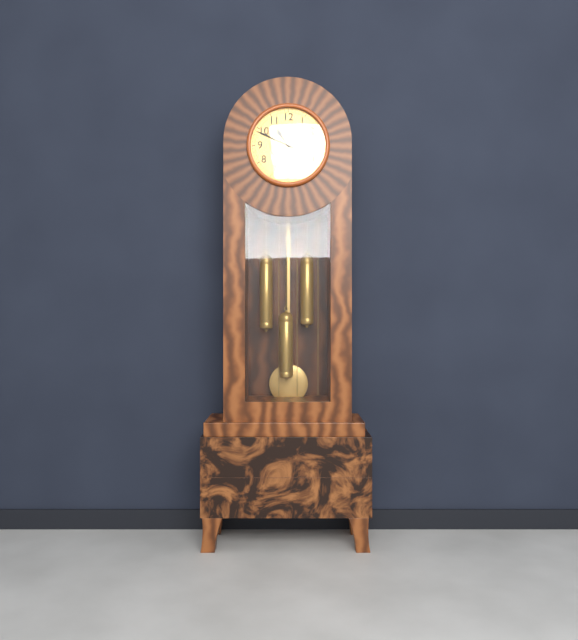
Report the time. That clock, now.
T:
10:49
